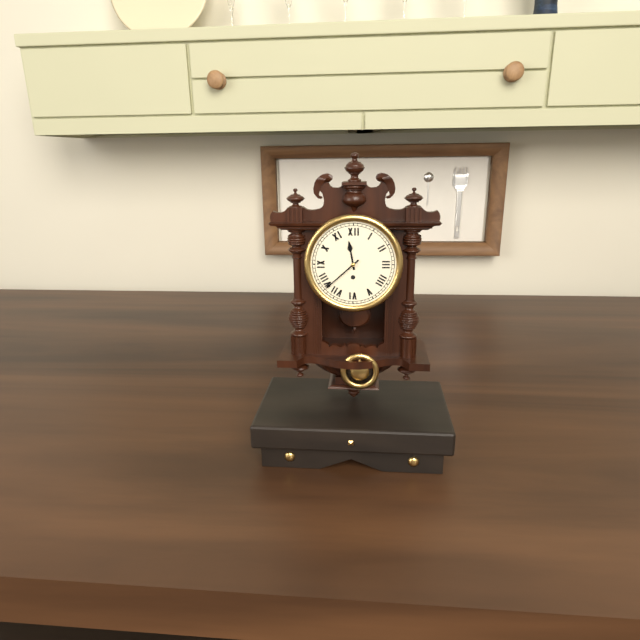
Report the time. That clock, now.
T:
11:38
